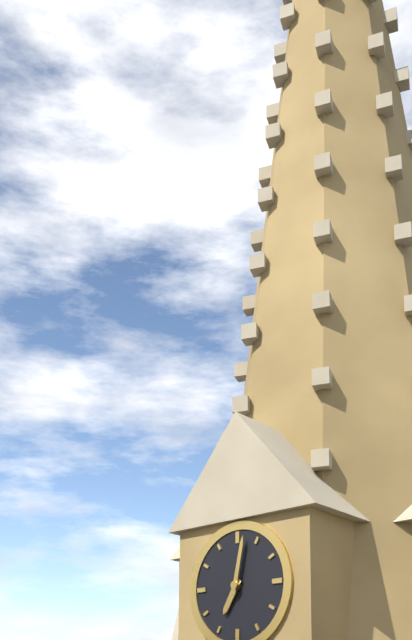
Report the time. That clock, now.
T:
7:02
